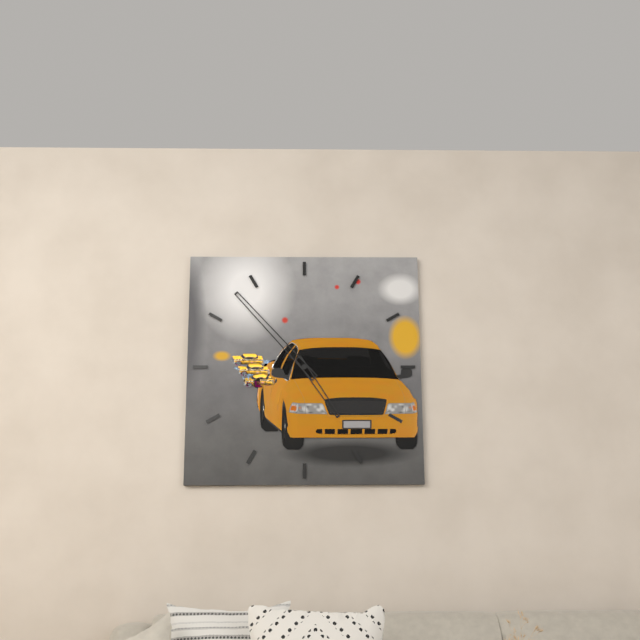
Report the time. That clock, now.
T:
4:53
